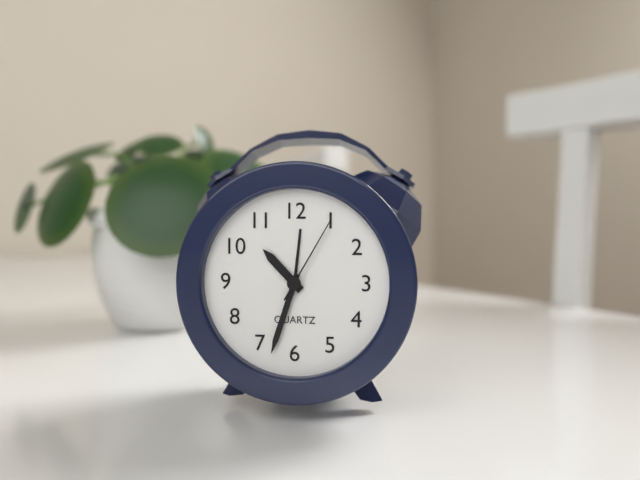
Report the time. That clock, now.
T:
10:33:05
